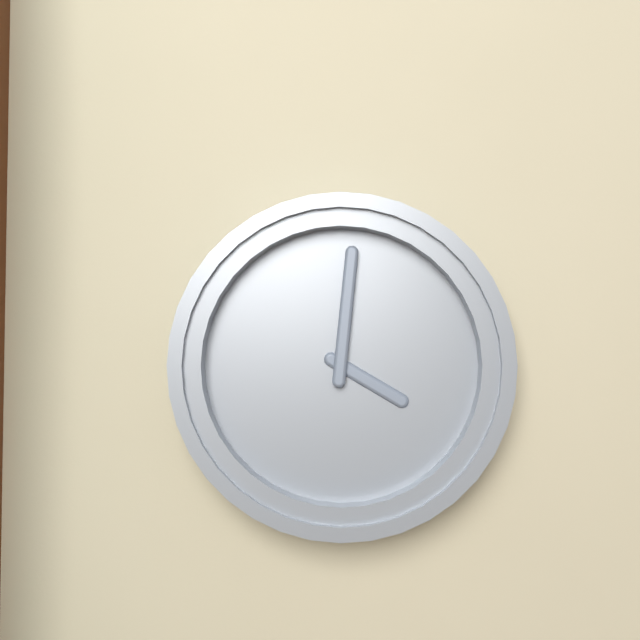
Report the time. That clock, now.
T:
4:01
